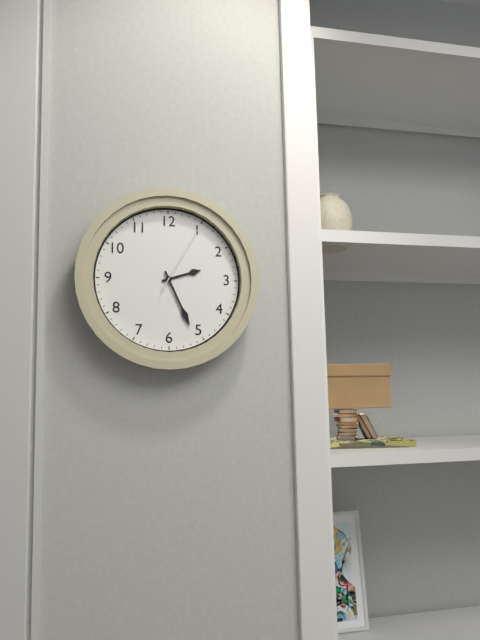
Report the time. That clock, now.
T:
2:26:05
